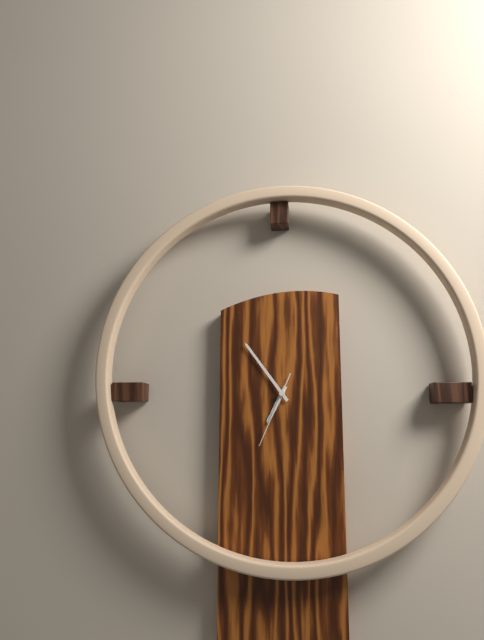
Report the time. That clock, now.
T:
6:54:34
